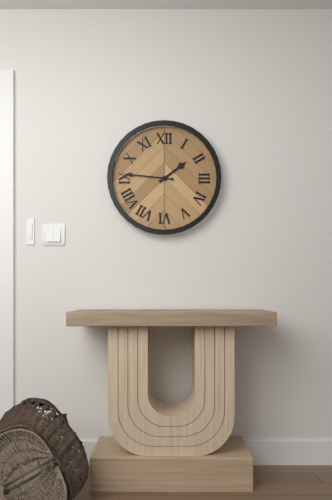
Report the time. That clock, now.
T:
1:46
